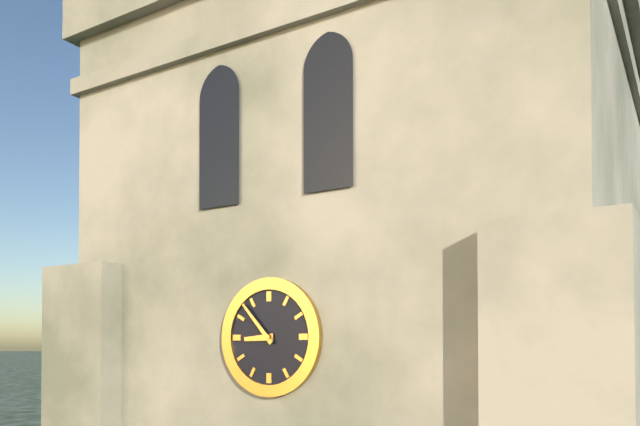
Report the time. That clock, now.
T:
8:53
